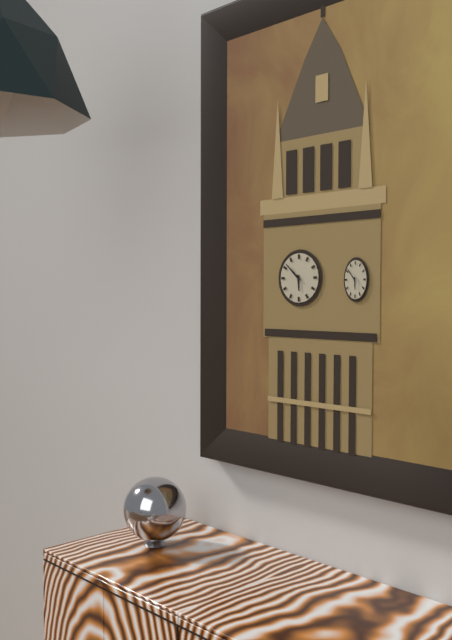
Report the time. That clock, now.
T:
5:52
